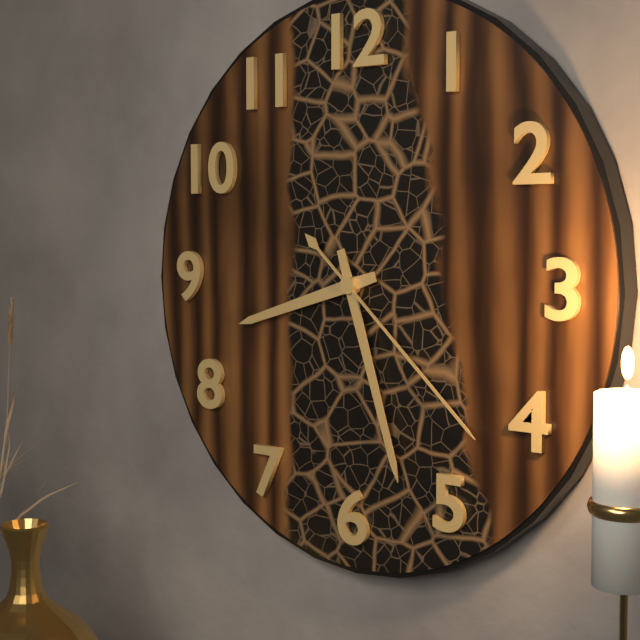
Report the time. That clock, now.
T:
8:27:22
